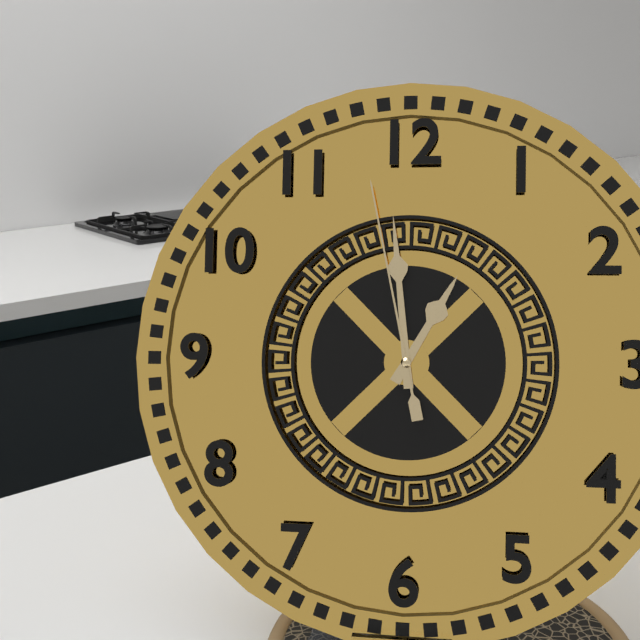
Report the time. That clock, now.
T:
12:59:58
